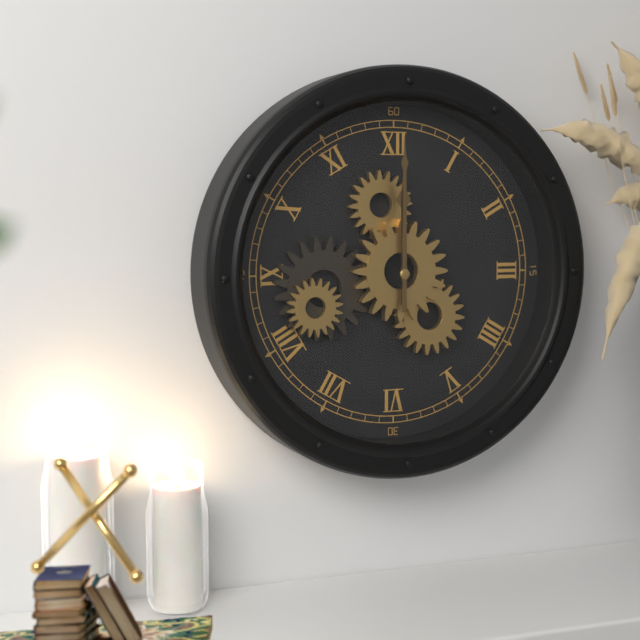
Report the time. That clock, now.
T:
12:00
